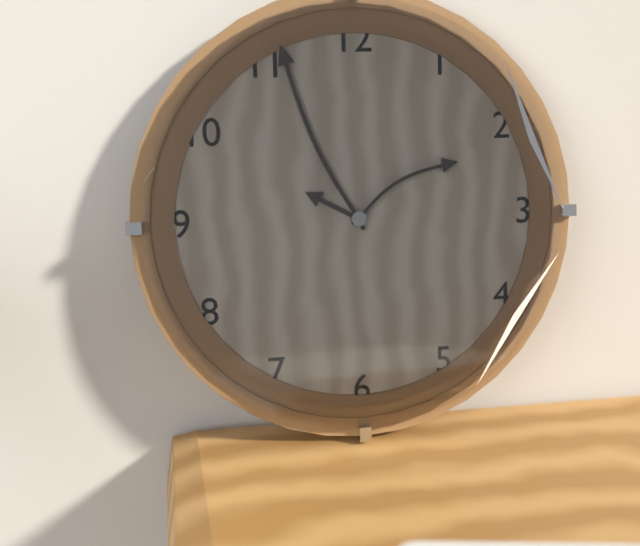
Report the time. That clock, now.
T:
9:56:10
